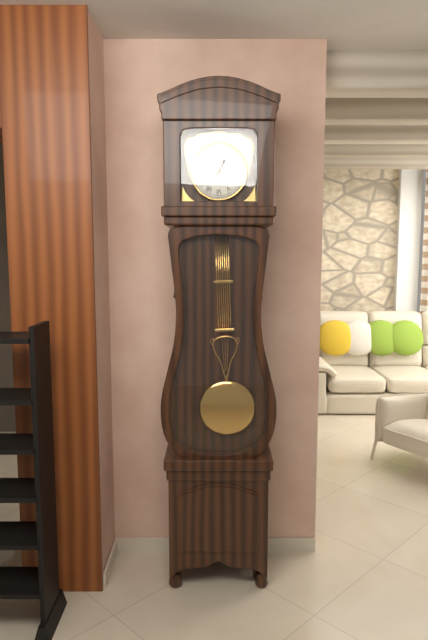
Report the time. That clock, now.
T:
12:59
